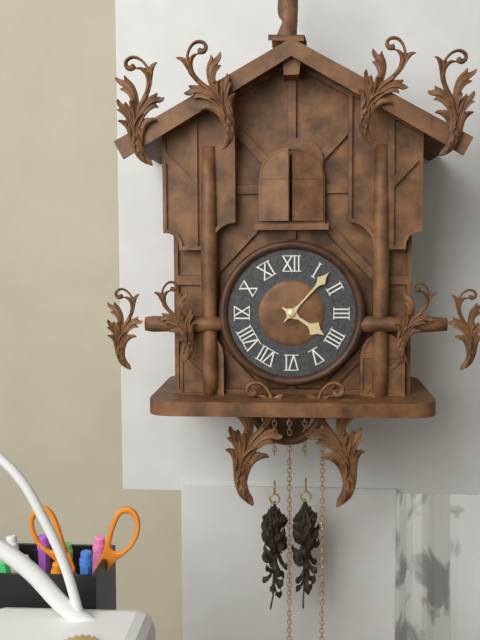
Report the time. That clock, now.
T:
4:07
